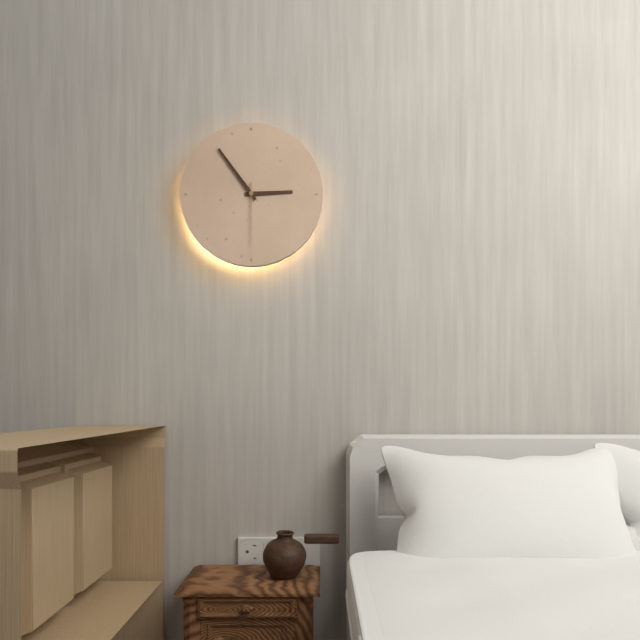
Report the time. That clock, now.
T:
2:54:30
